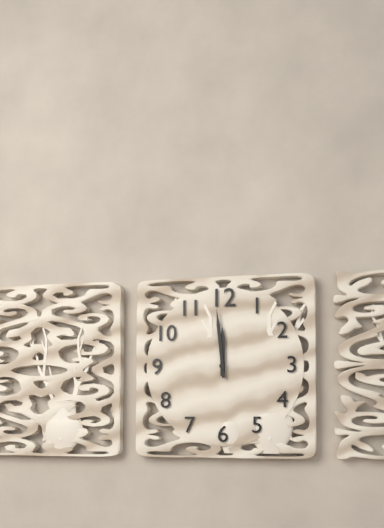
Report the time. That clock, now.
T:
11:59
